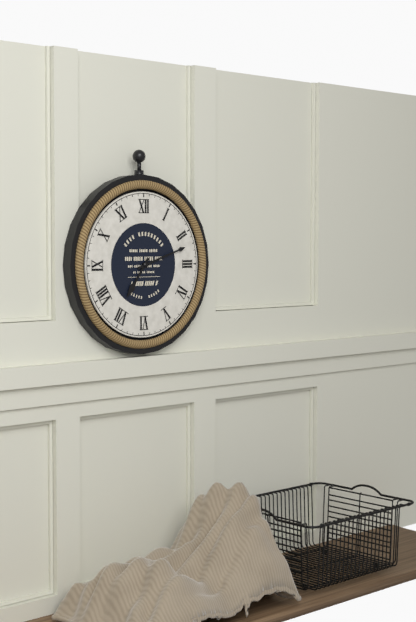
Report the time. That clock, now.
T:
7:12
